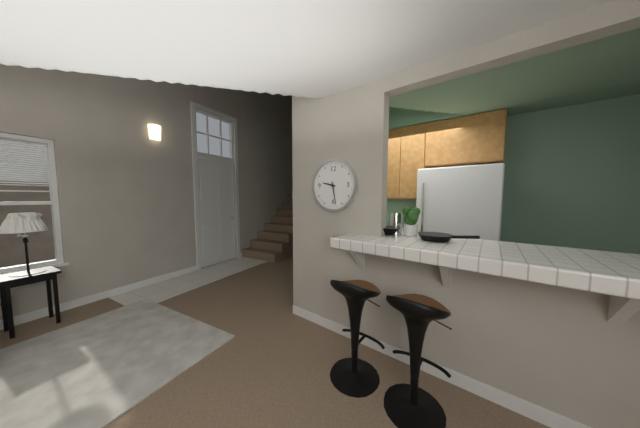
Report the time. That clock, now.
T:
9:28
